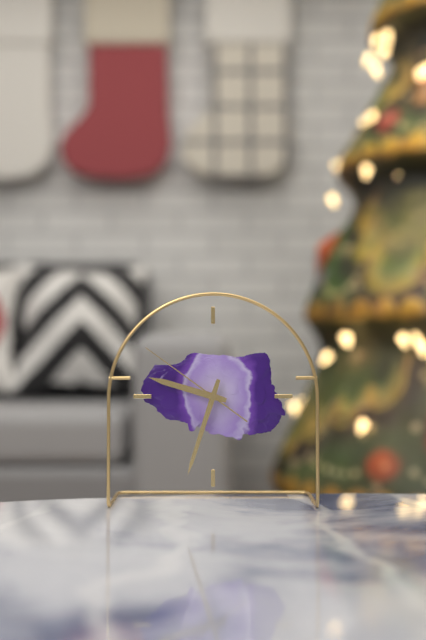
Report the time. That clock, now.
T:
9:33:51
